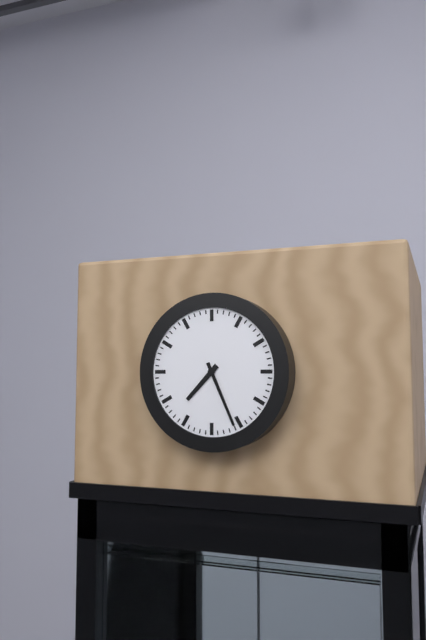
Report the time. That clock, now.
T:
7:26
